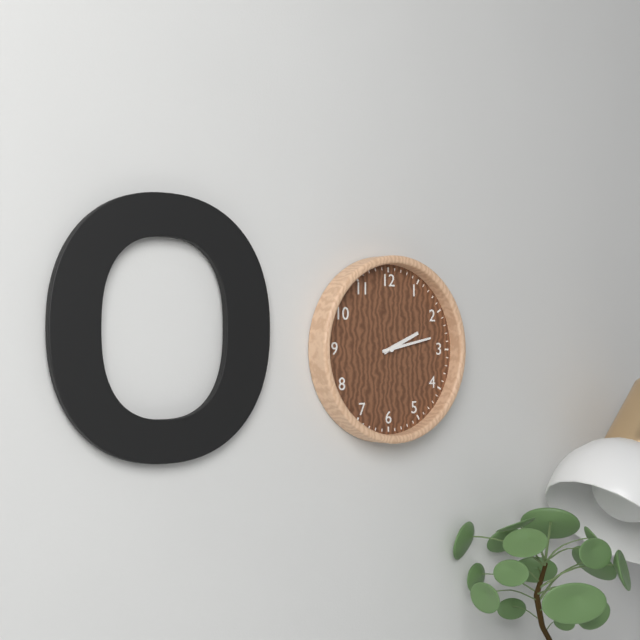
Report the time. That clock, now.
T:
2:13
